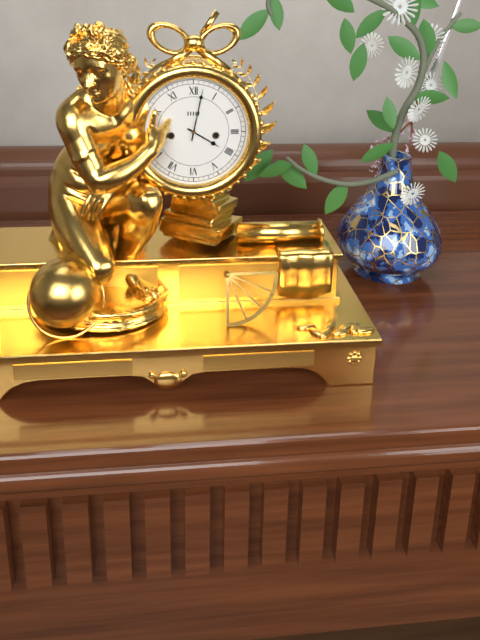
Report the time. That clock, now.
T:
4:02
